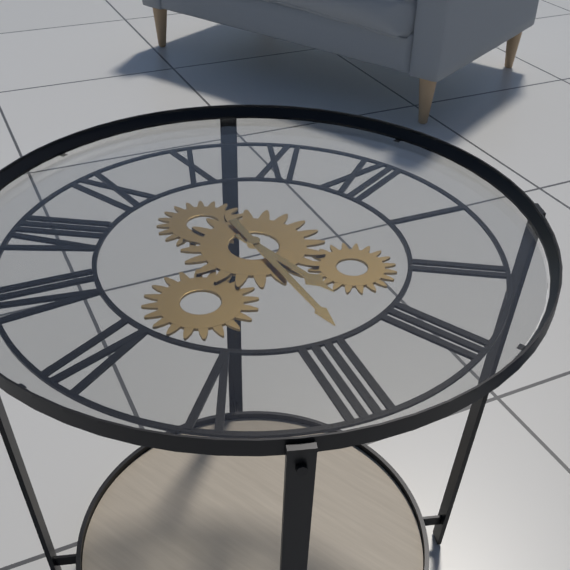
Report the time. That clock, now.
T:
3:19
